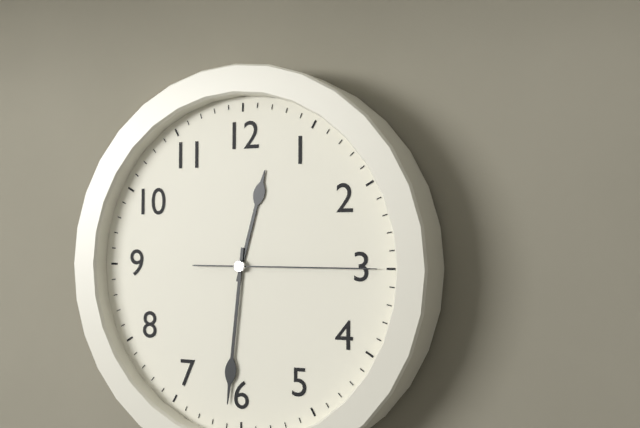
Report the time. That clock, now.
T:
12:31:15
